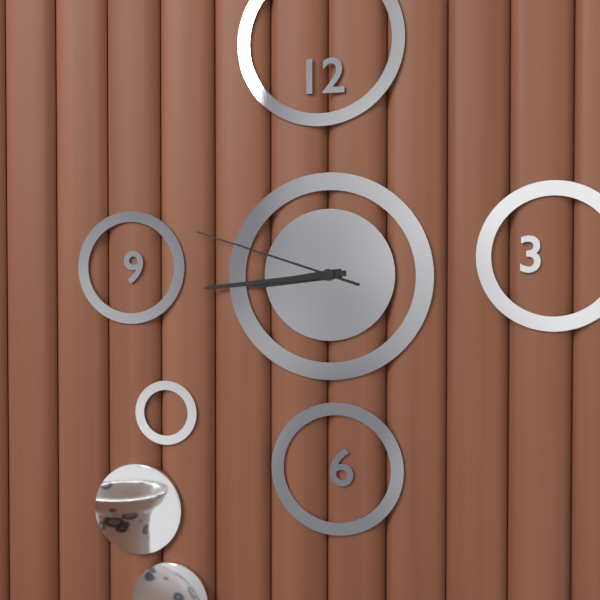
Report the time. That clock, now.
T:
8:44:48
